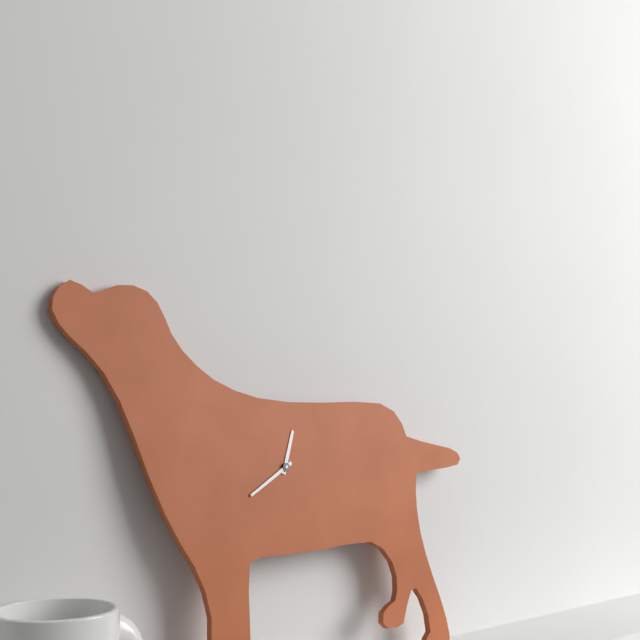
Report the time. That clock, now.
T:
12:40
